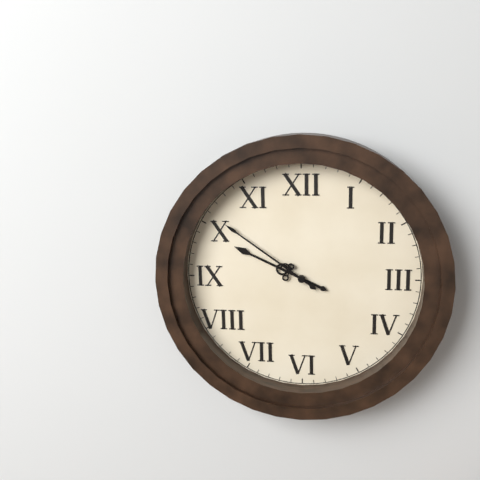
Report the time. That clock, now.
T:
9:51
